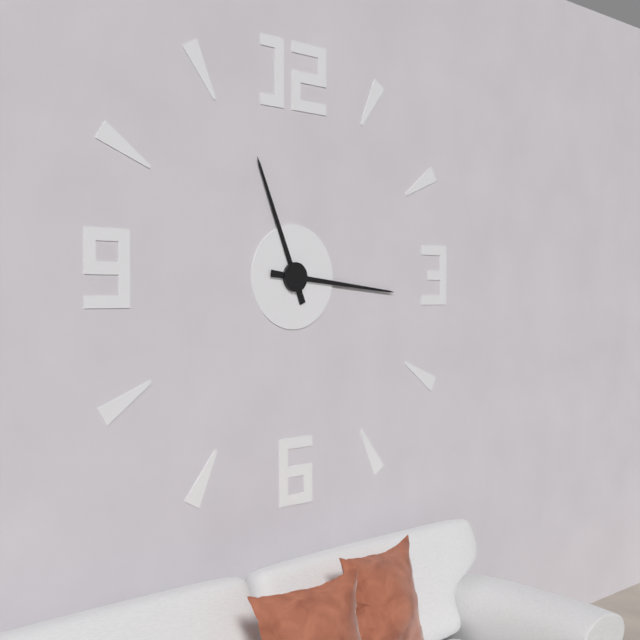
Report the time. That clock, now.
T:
11:16
